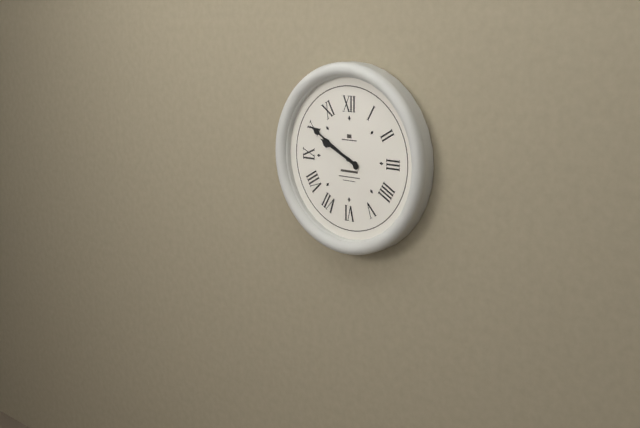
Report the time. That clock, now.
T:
9:50
